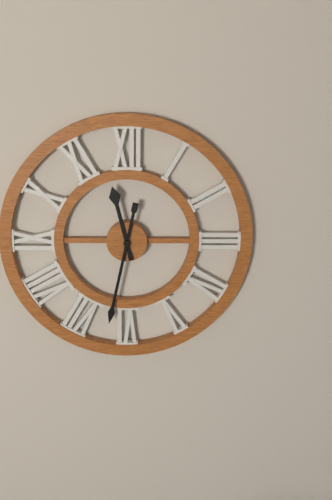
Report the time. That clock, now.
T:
11:32
